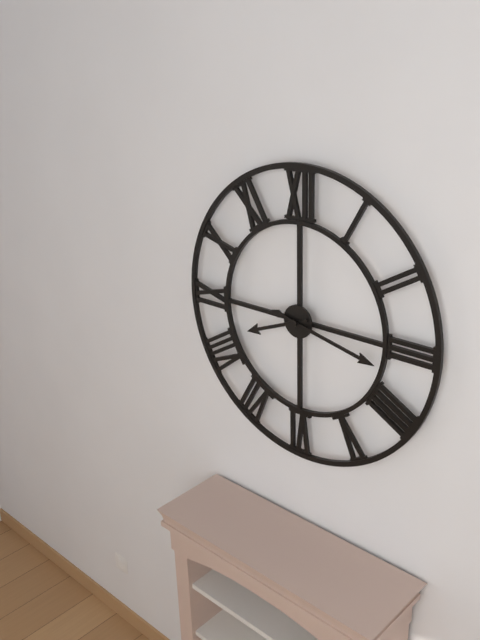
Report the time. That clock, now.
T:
8:17
